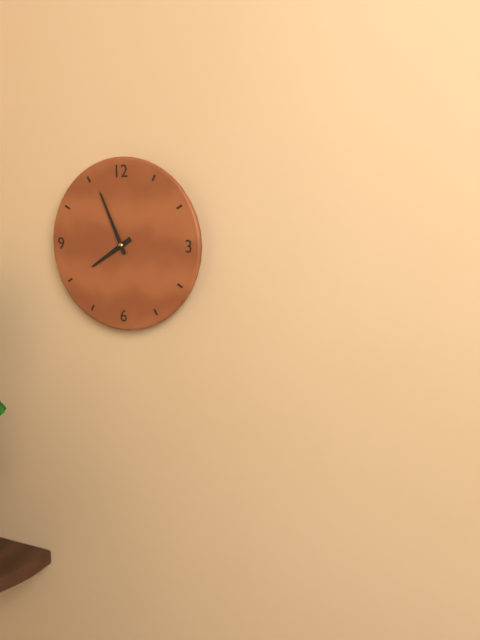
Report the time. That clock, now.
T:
7:56
